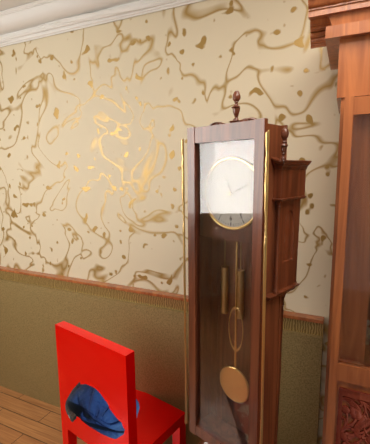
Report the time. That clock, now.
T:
11:11
